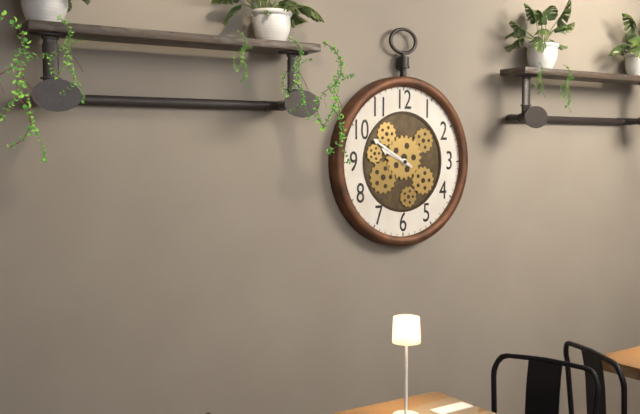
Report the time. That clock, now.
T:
9:50
